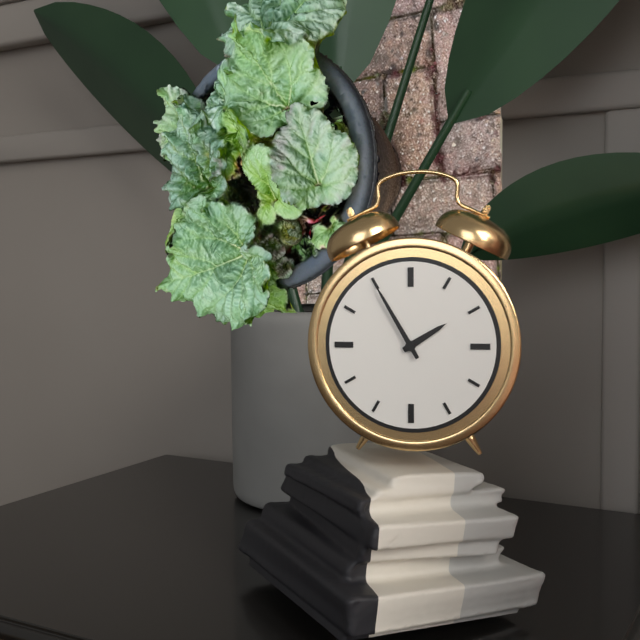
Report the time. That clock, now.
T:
1:55
